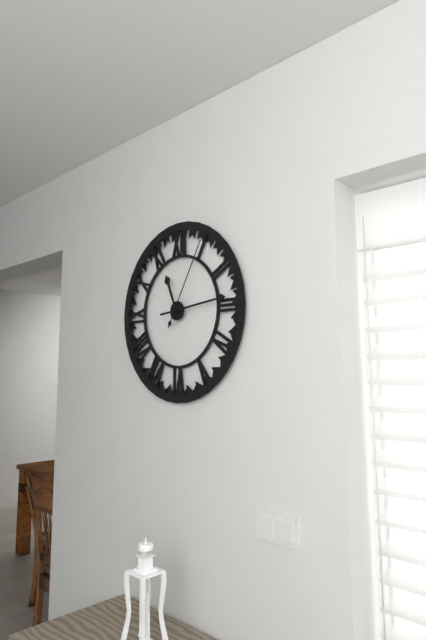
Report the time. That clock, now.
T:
11:14:05
